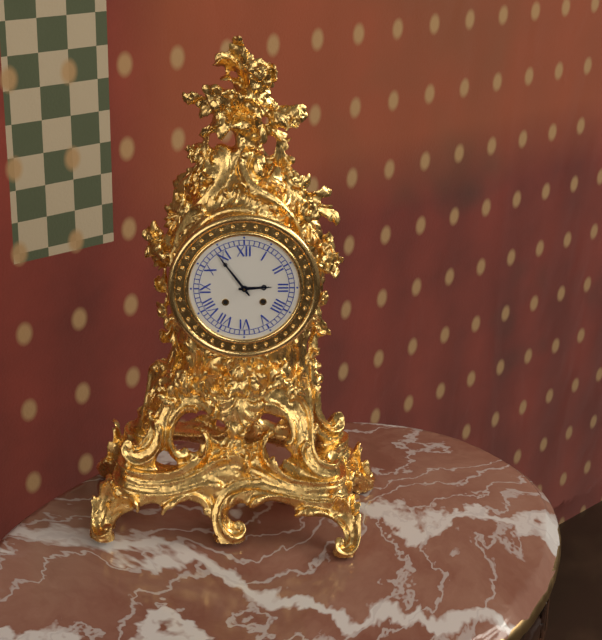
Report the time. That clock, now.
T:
2:54
